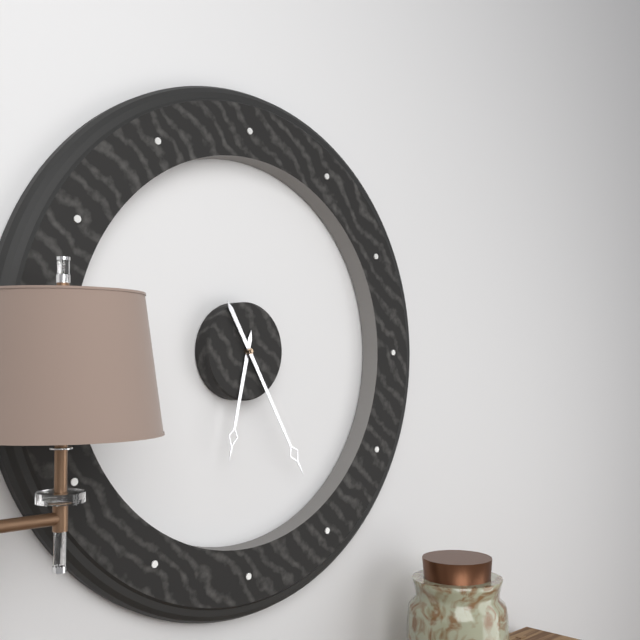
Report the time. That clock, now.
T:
6:25
